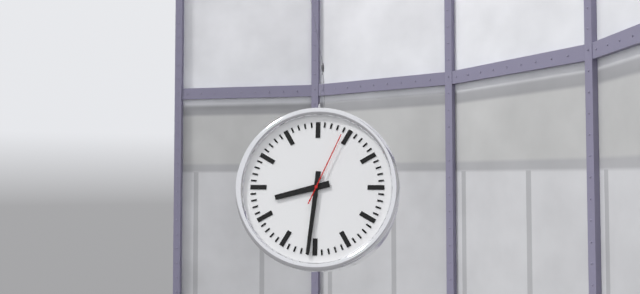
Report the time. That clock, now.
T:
8:31:04
